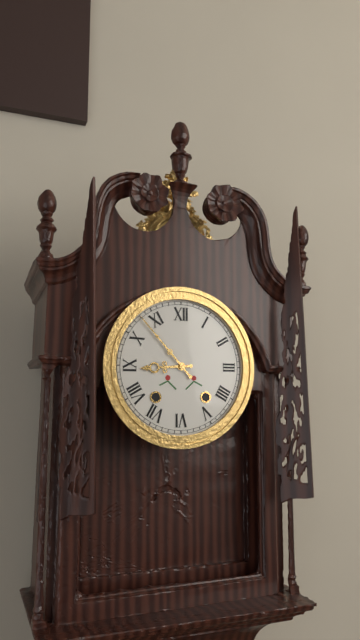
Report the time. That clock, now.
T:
8:53
